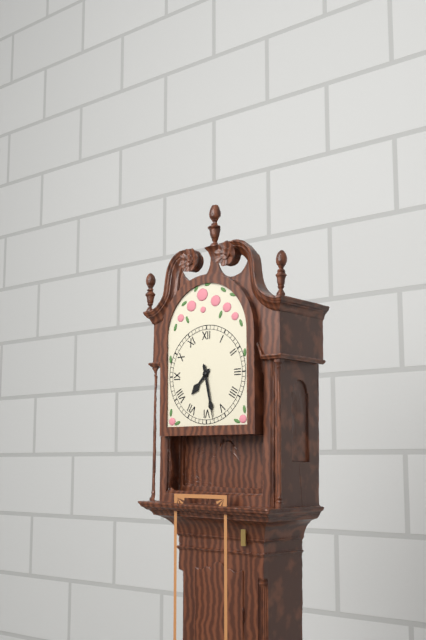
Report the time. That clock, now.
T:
7:28
